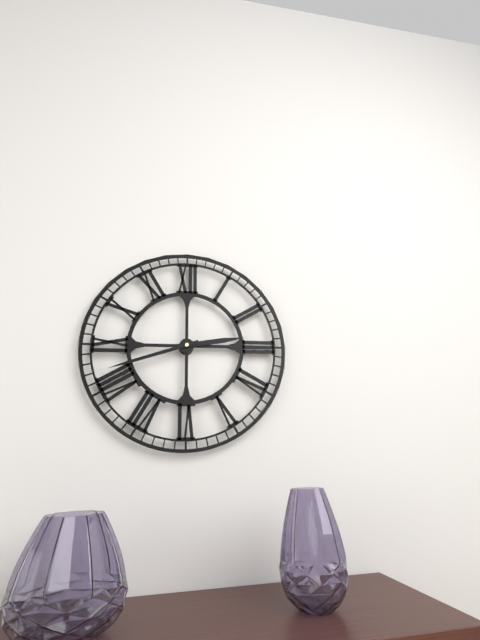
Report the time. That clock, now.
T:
2:42
